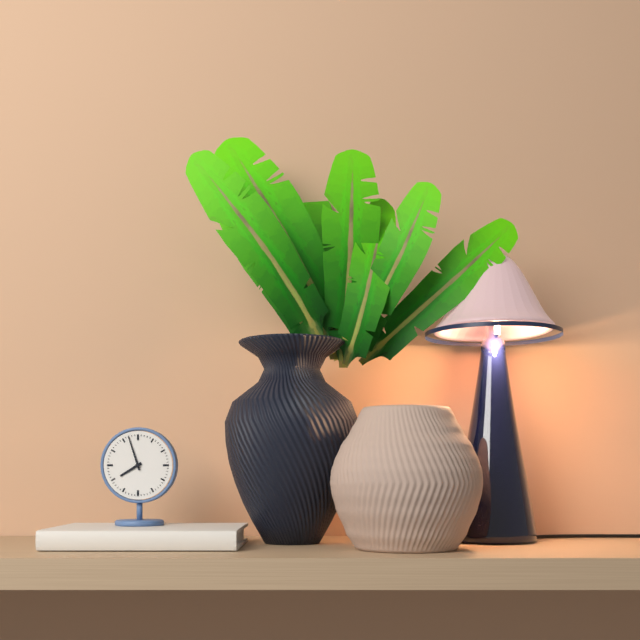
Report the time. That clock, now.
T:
7:57
